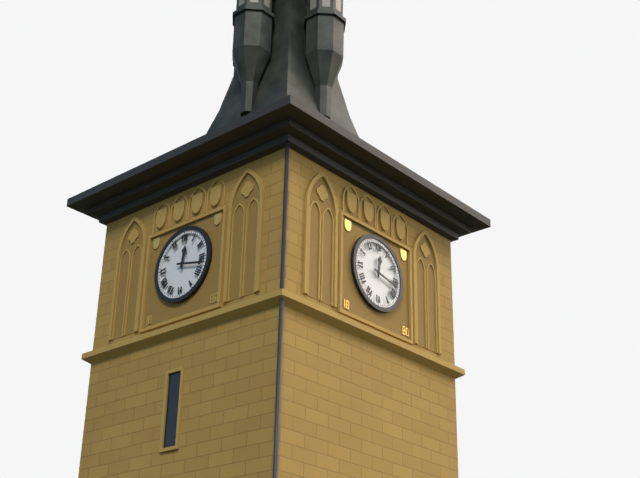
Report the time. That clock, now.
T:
12:17
